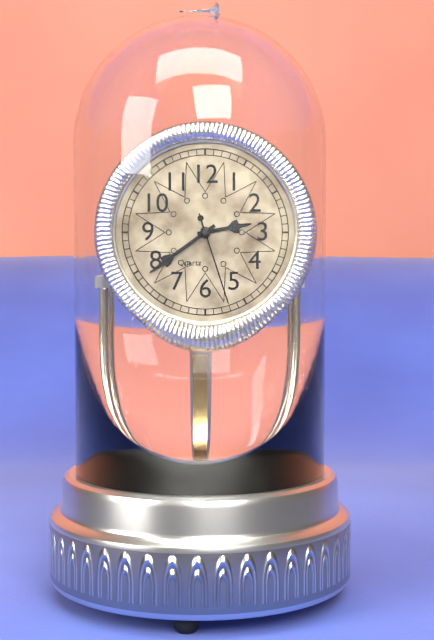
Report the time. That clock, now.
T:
2:39:27
